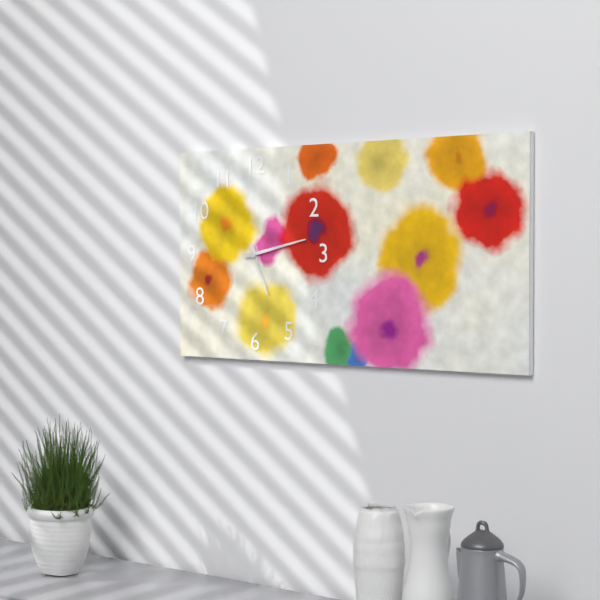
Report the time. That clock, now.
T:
5:13
